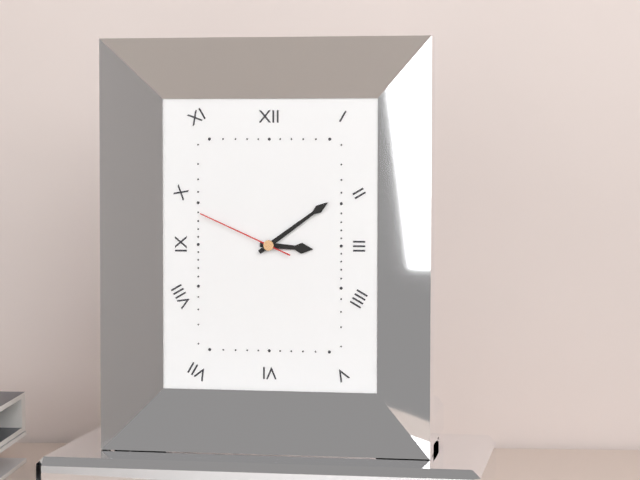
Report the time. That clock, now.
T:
3:09:49
